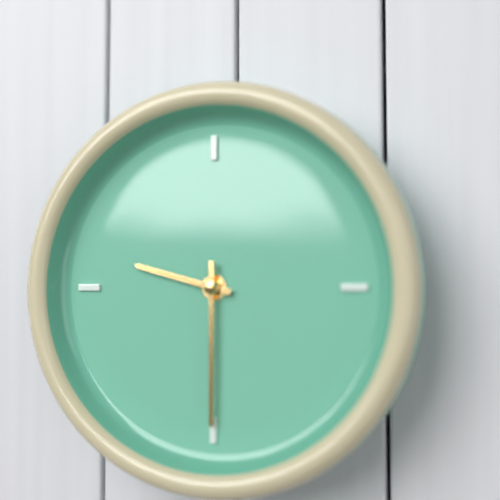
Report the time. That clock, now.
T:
9:30
